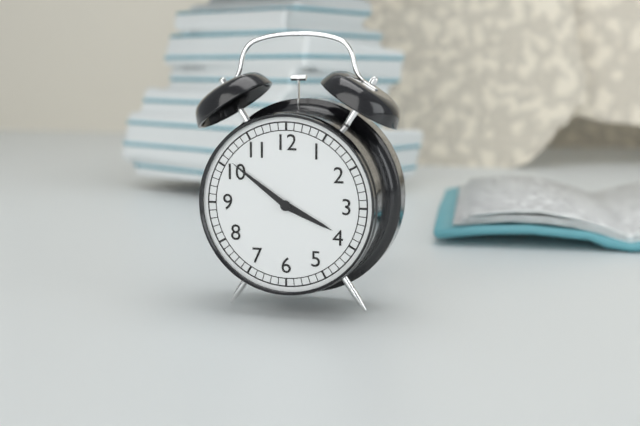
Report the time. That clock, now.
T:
3:51
